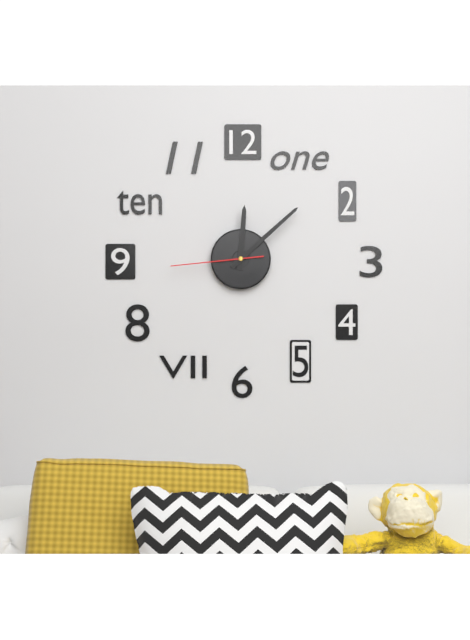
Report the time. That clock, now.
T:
12:08:44
